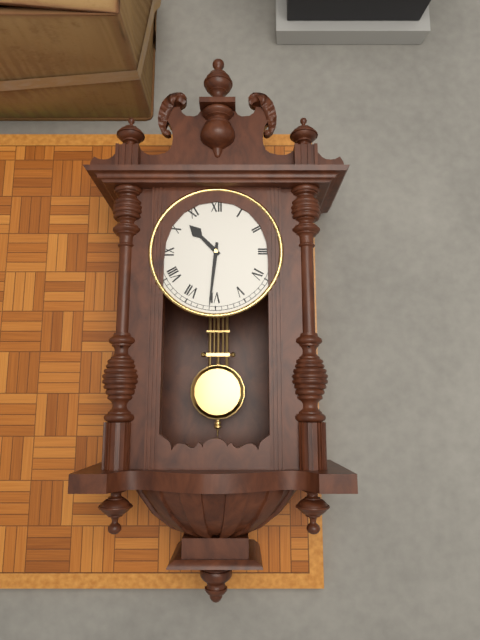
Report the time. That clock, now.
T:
10:31
